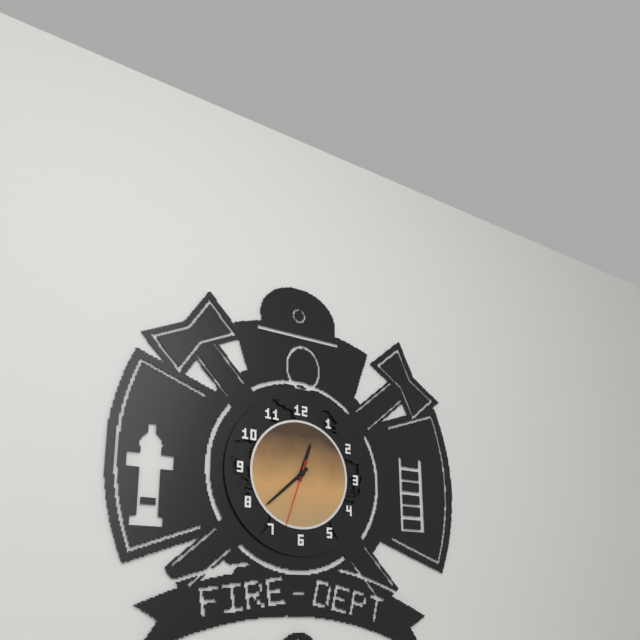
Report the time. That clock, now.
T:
12:38:33
